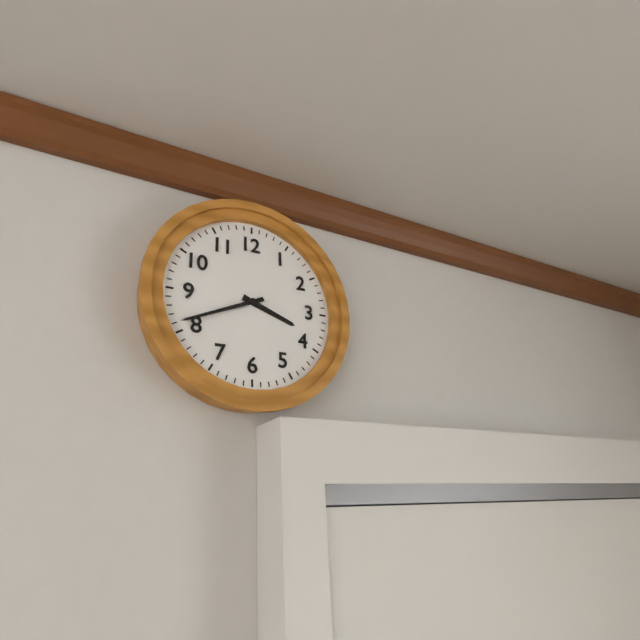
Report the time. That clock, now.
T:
3:41
